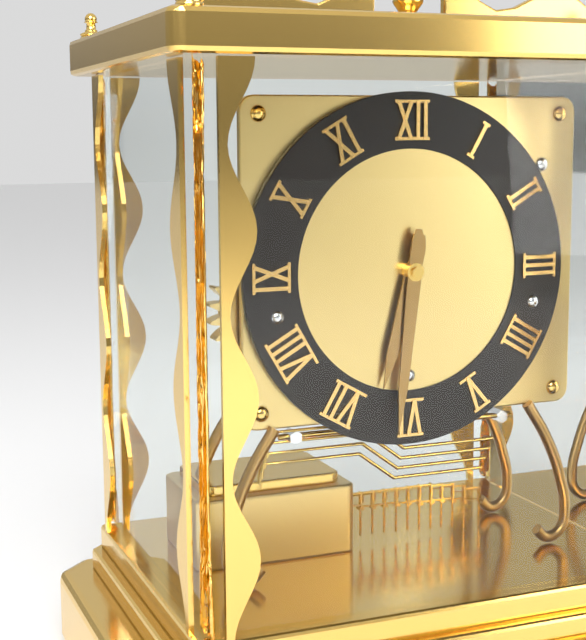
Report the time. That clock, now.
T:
6:31
